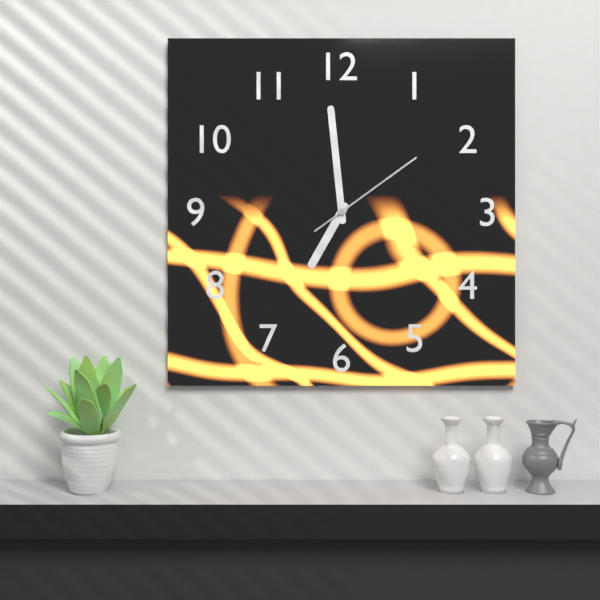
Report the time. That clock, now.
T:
6:59:09
